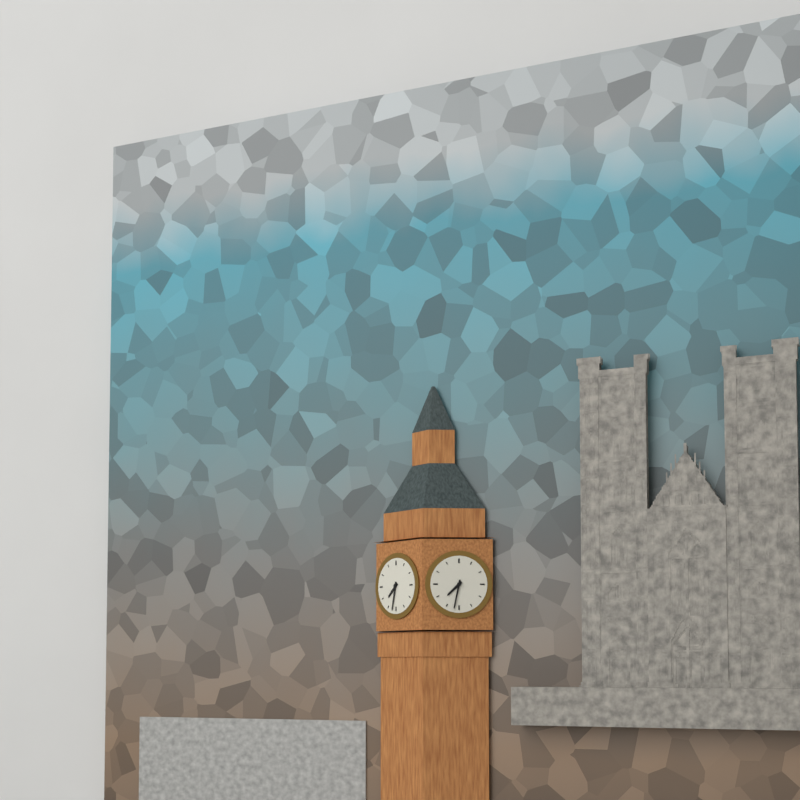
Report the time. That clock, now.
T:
7:32
